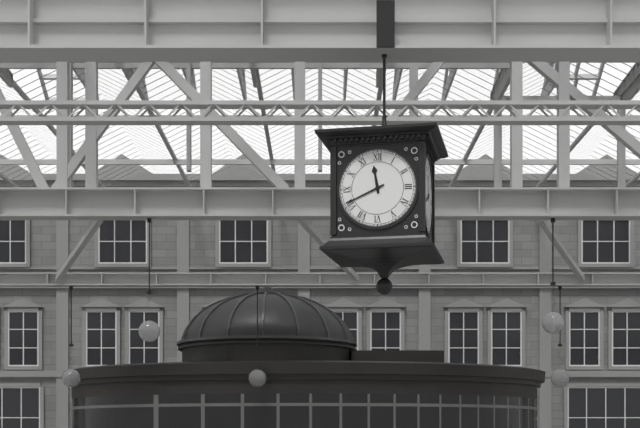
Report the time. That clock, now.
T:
11:41
